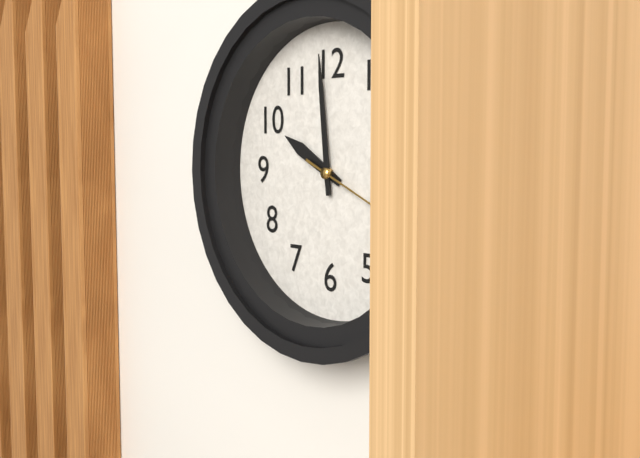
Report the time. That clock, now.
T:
9:59
